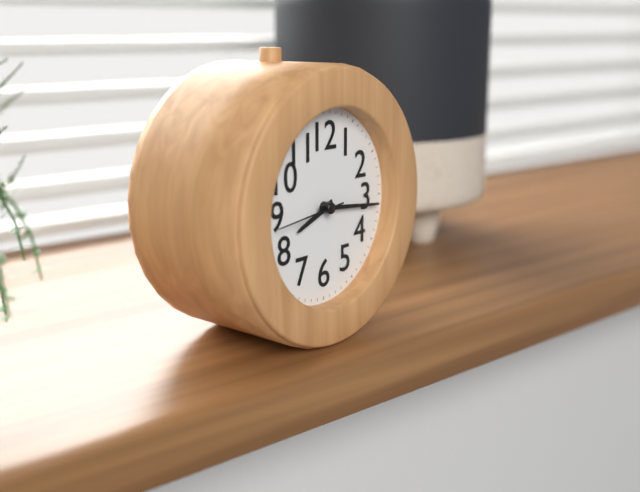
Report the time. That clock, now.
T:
8:16:44
